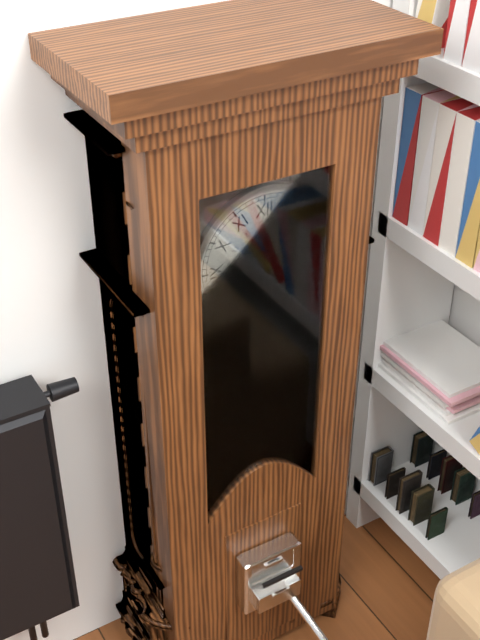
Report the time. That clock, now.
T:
3:23
